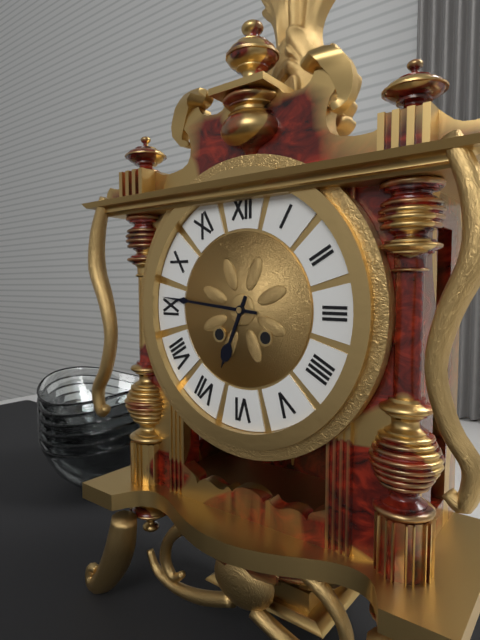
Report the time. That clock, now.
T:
6:46
